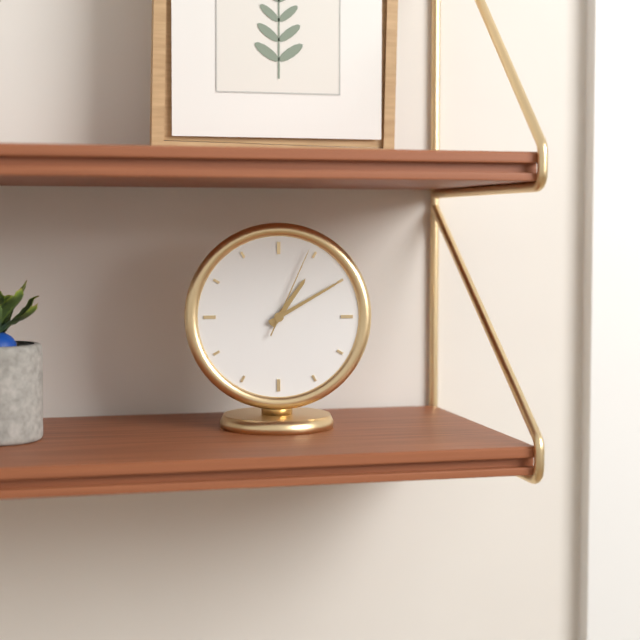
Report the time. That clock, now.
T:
1:10:04
